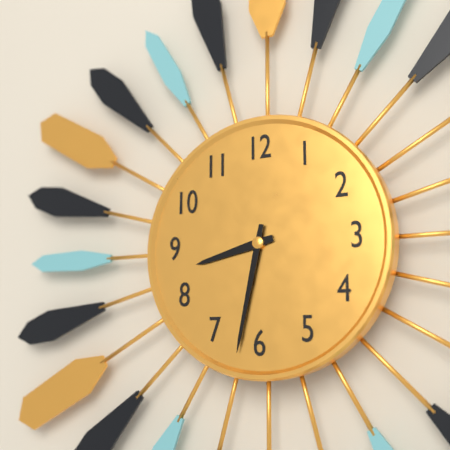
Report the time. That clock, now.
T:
8:32
